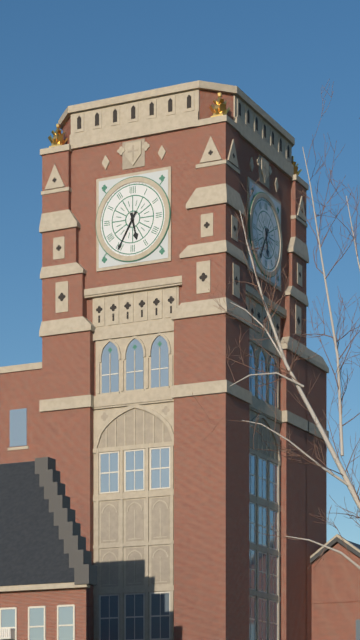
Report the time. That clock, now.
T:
5:35
